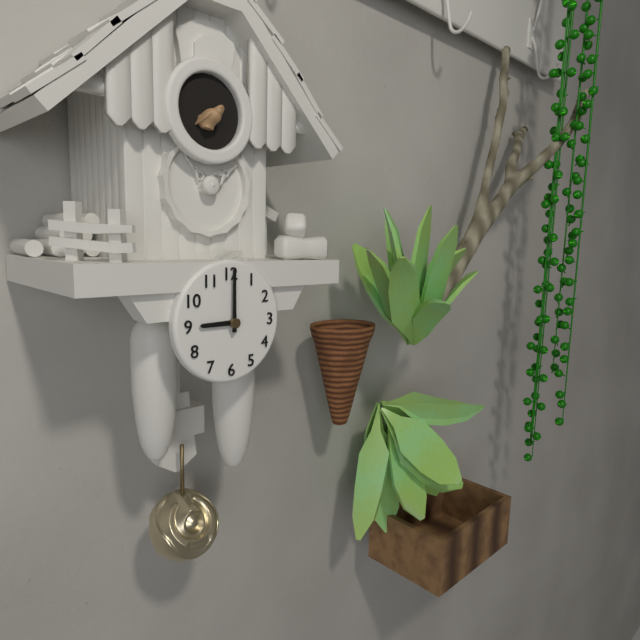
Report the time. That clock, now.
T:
9:00
